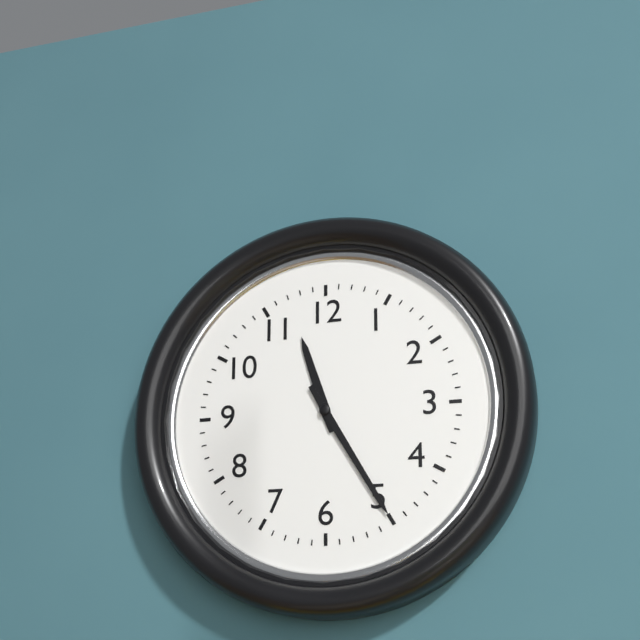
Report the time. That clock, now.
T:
11:25
